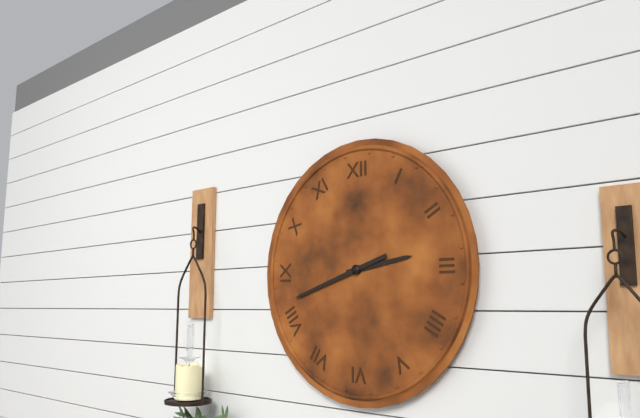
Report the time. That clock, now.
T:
2:42
